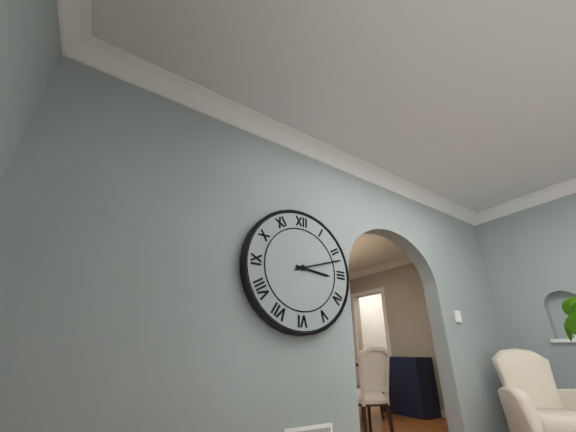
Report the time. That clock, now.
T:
3:12
